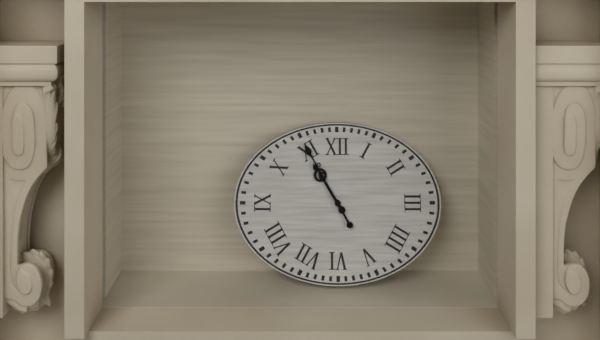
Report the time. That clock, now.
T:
10:55
